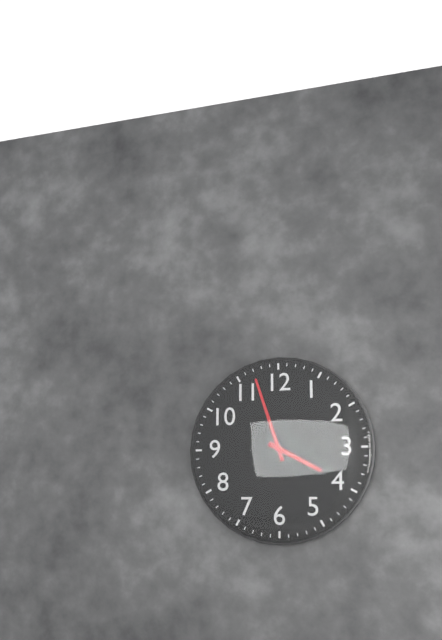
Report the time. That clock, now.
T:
3:57
